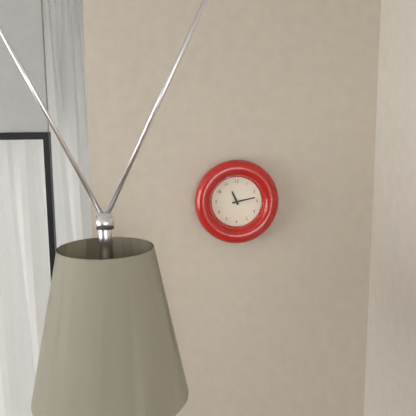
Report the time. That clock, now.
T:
11:13
